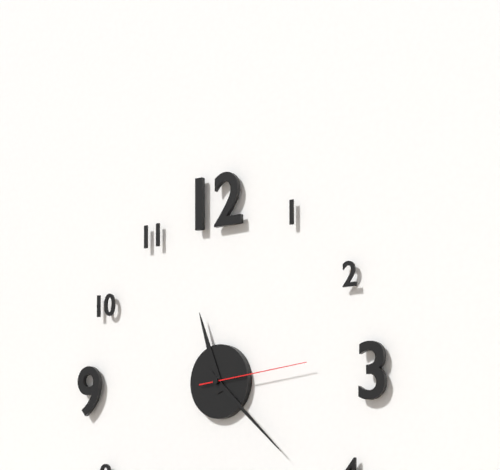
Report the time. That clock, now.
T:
11:22:14
